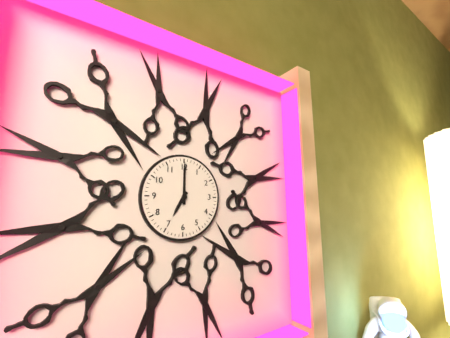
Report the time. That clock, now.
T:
7:00
